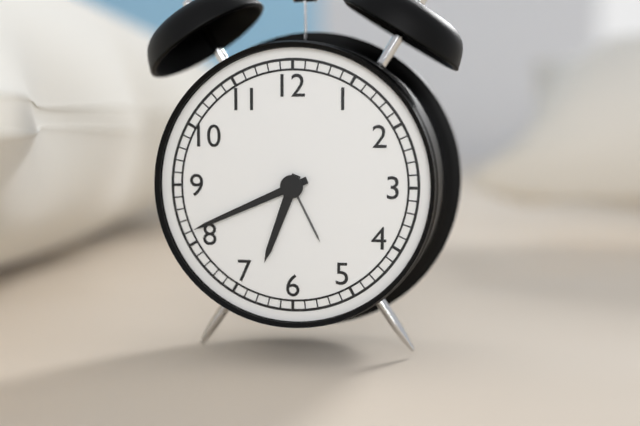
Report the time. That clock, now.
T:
6:41
